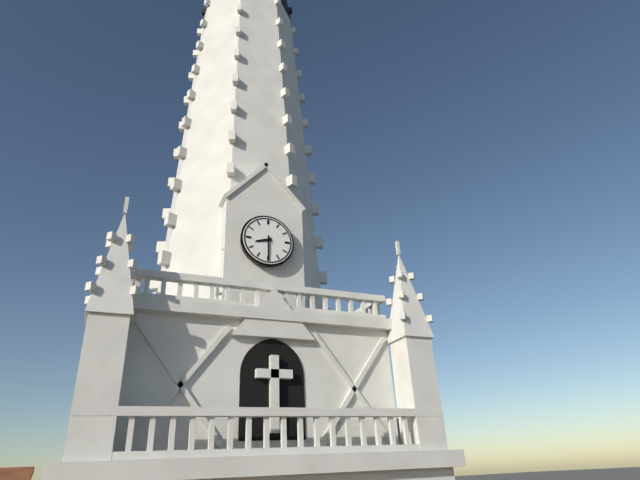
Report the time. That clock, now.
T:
8:30
